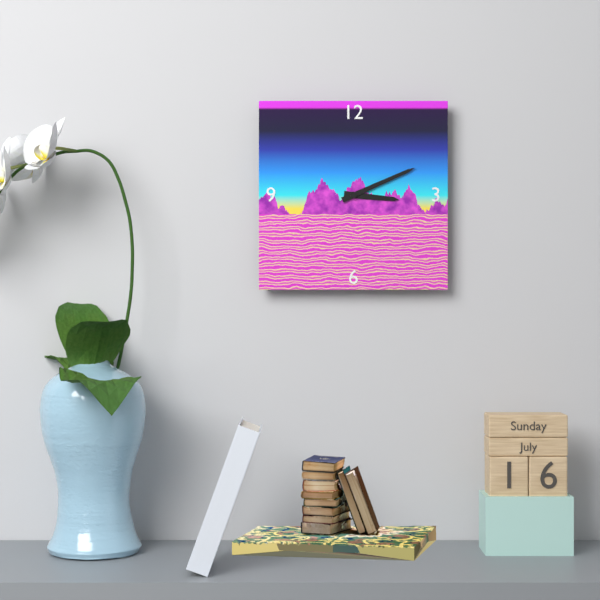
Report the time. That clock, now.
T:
3:11
